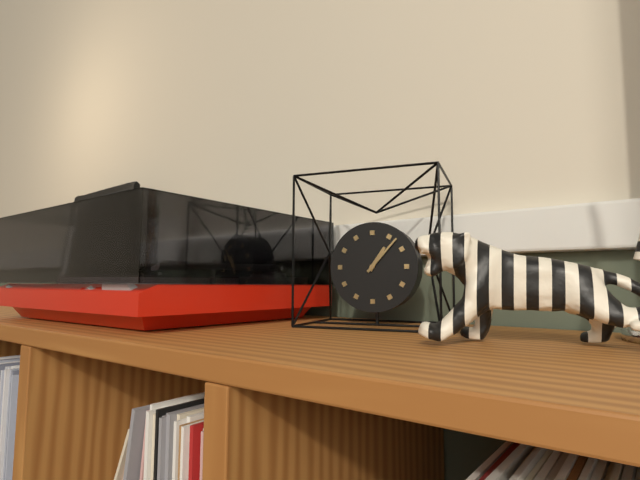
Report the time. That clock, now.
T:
1:07
